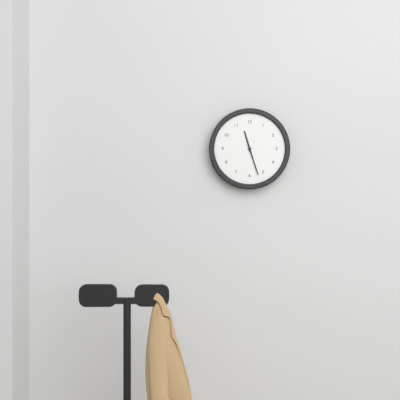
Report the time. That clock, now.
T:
11:27
